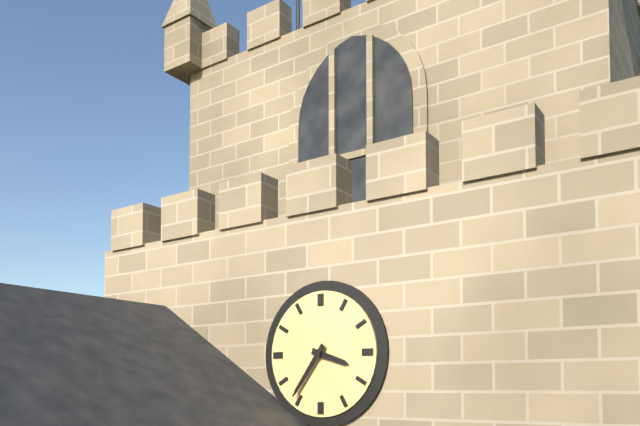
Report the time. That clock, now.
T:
3:36
